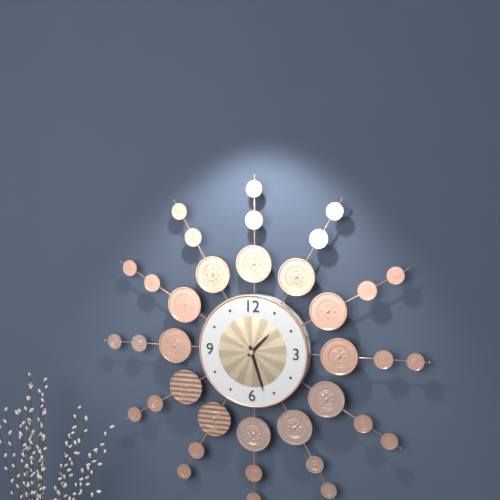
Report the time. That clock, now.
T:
1:27
